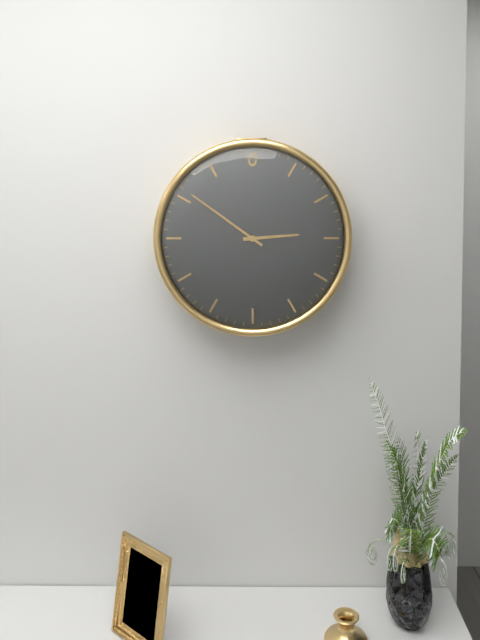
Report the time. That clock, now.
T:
2:51
